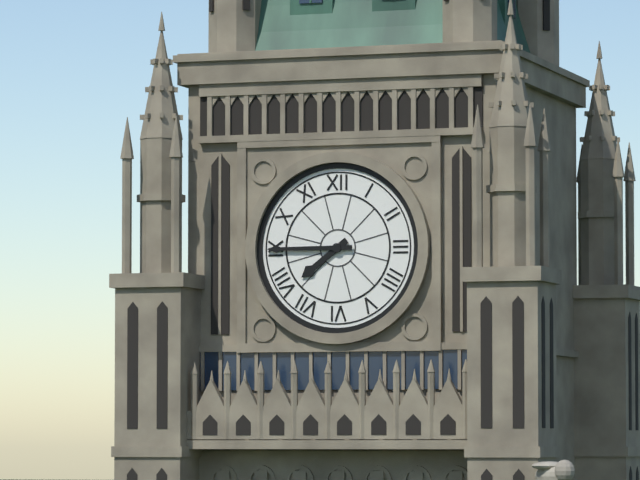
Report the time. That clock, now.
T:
7:45
